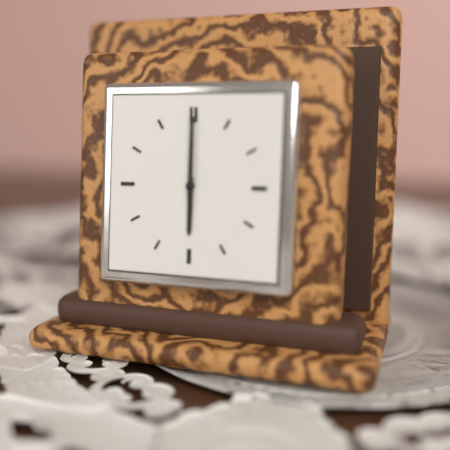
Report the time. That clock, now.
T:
6:00
